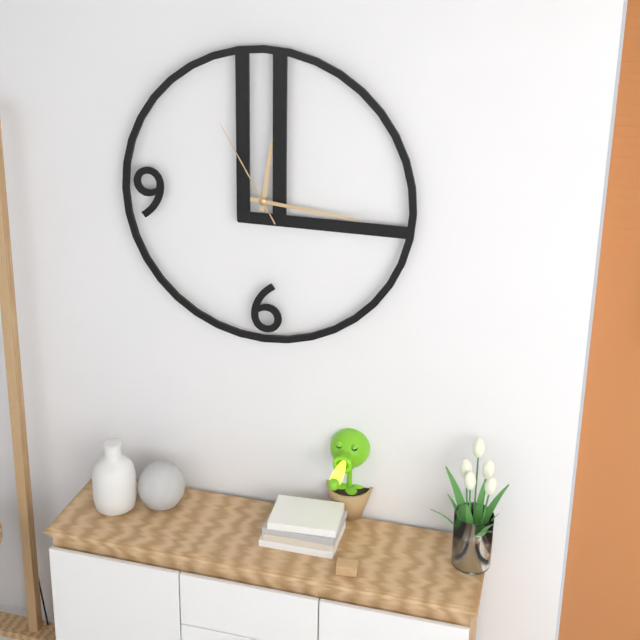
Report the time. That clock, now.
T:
12:16:55
